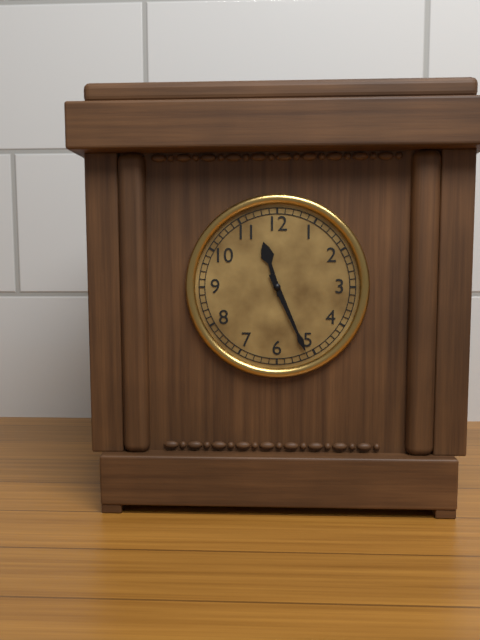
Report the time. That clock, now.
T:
11:26
